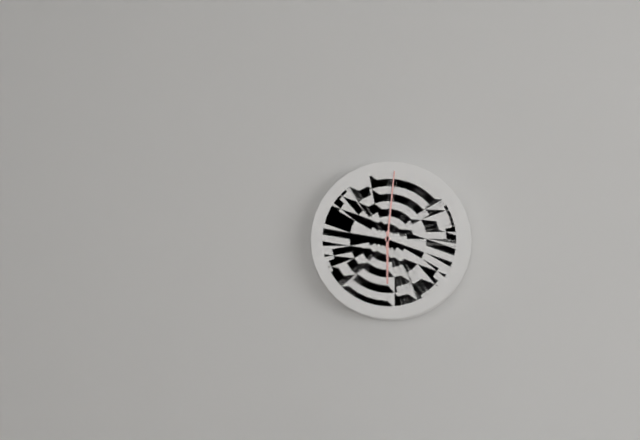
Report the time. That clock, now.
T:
6:01
